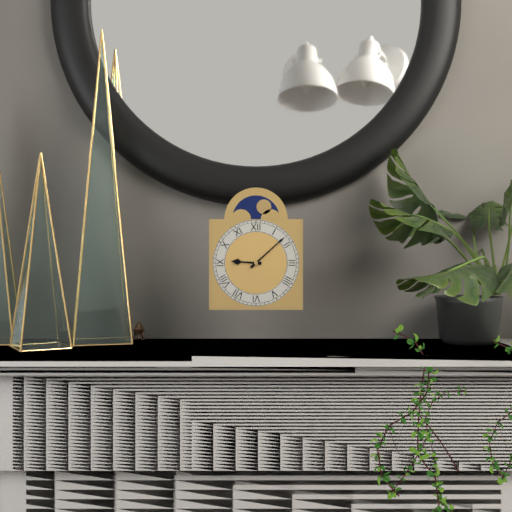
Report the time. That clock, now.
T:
9:08
